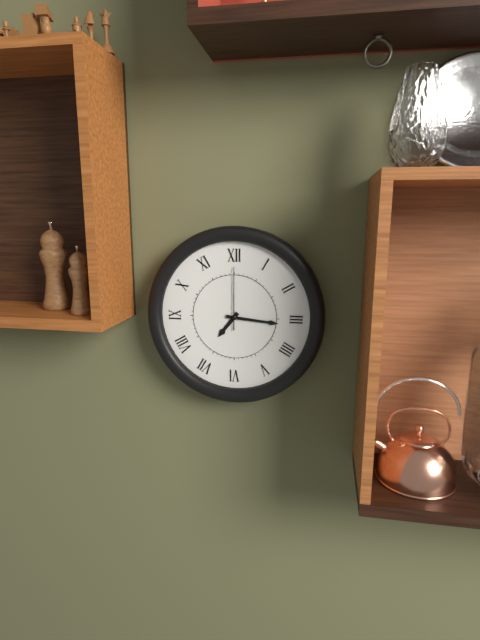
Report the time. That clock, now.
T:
7:16:00
